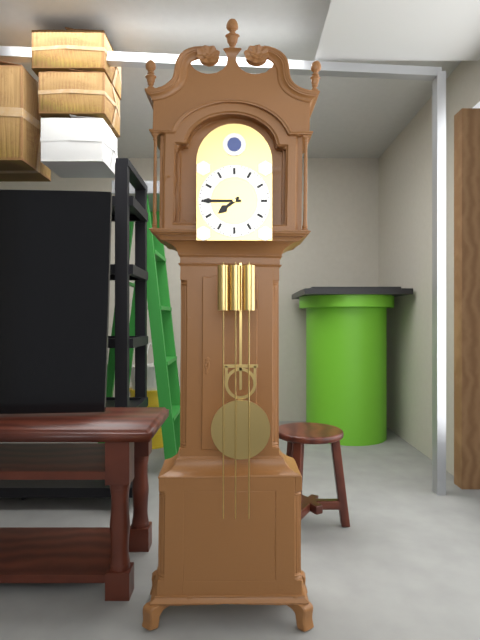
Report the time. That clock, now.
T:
7:45
